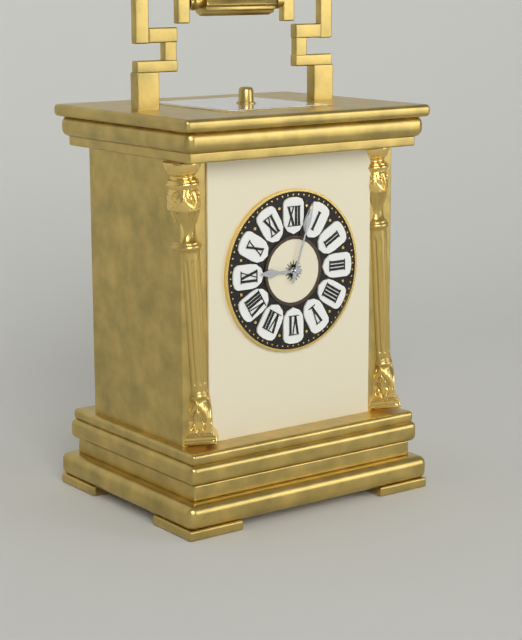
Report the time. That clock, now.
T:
9:03
